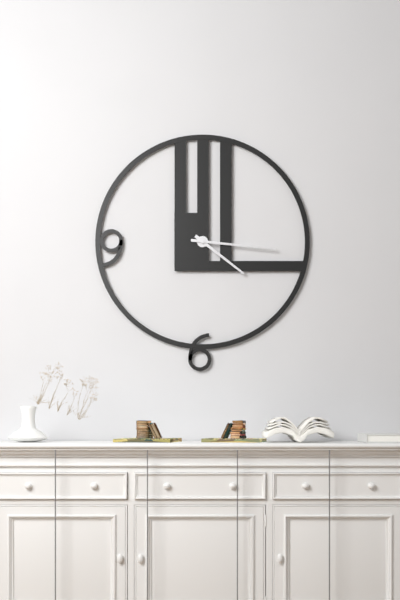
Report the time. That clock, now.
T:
4:16
